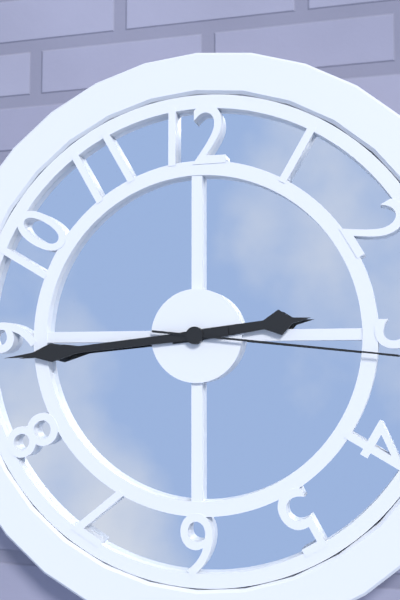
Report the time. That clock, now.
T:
2:44:16
